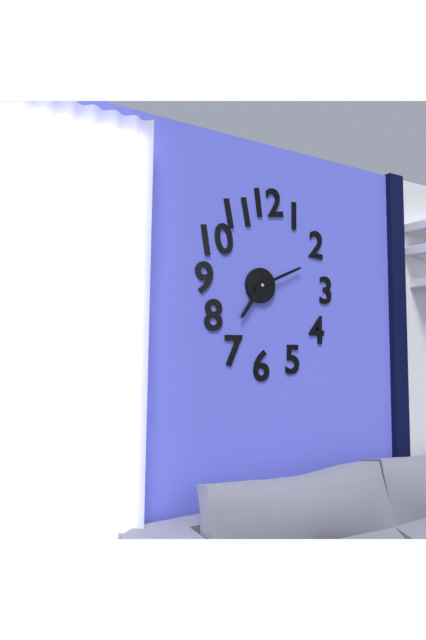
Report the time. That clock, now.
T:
7:11
